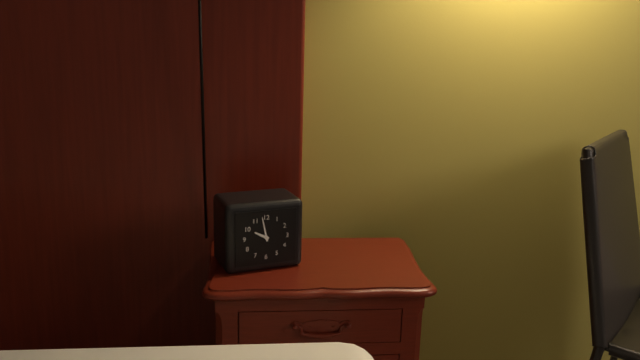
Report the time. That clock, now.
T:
9:58
